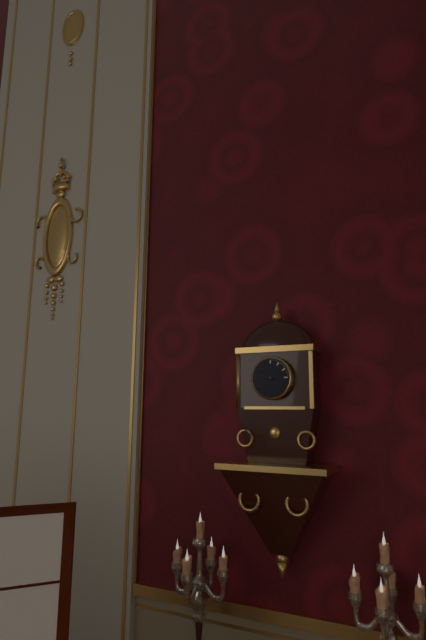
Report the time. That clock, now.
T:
9:50
